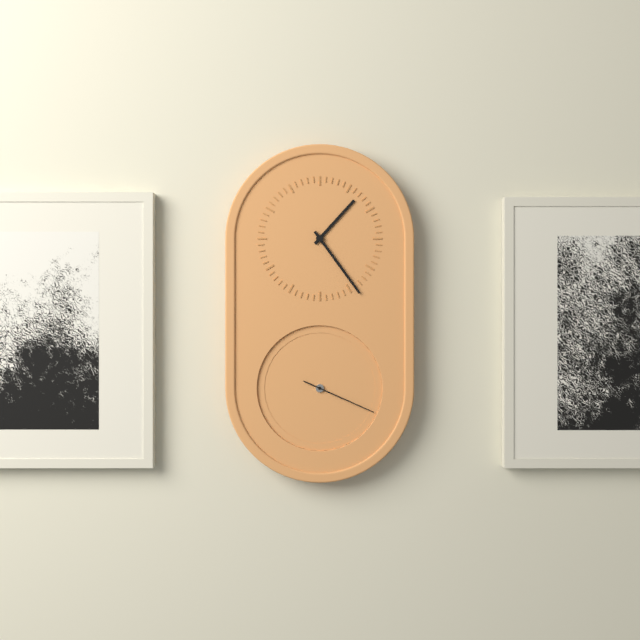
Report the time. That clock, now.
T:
1:24:19
